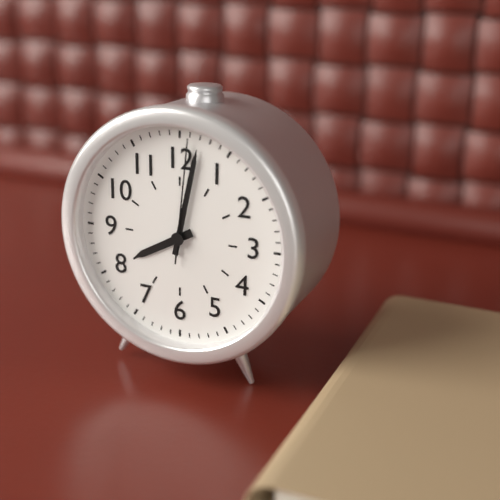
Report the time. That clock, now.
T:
8:02:01
